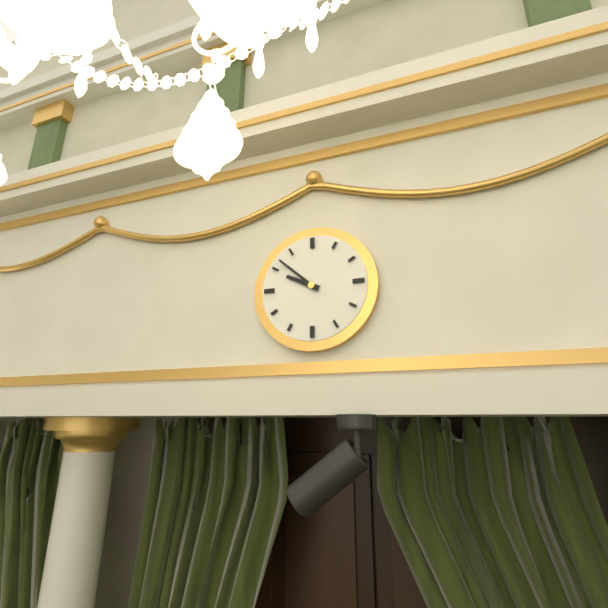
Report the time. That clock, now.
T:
9:52
